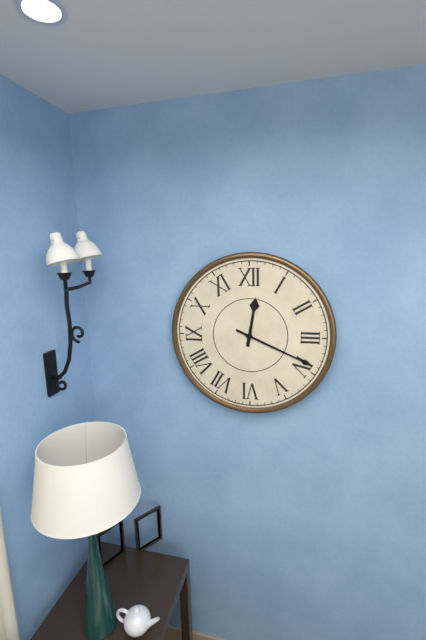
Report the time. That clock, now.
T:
12:19
